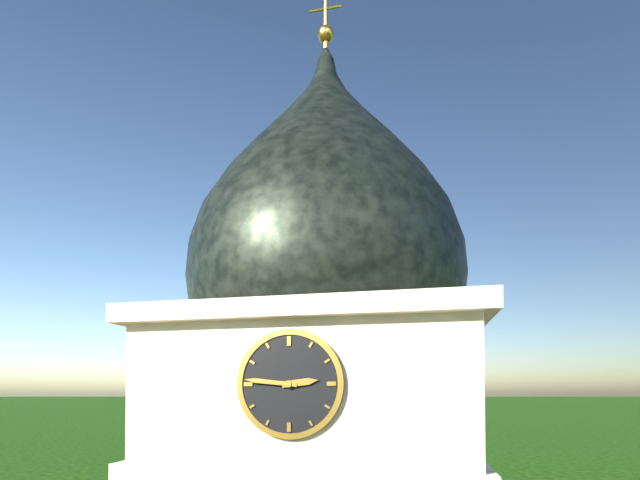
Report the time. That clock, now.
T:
2:46
